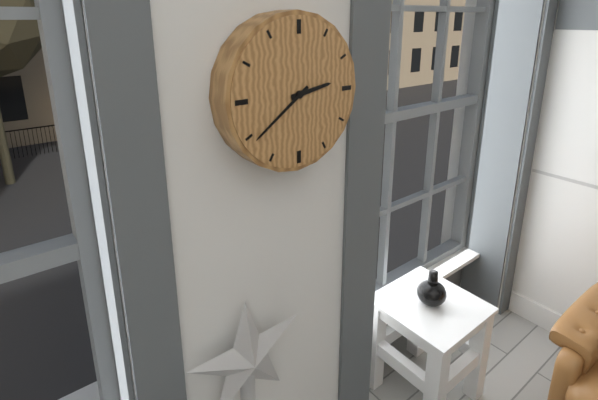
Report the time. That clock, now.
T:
2:39
